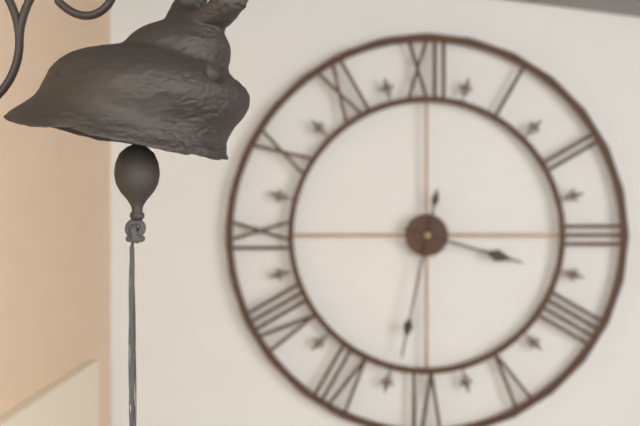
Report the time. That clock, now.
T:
3:32
